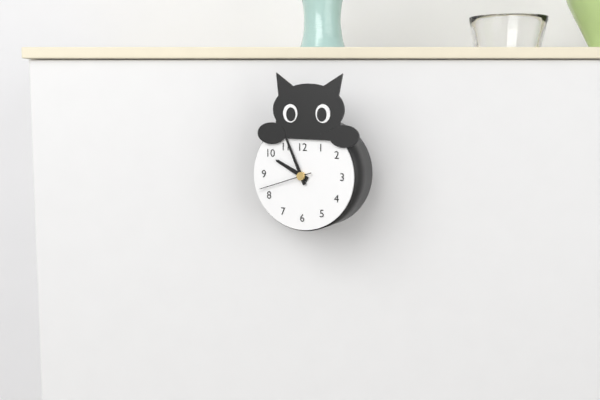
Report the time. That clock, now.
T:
9:56:42
